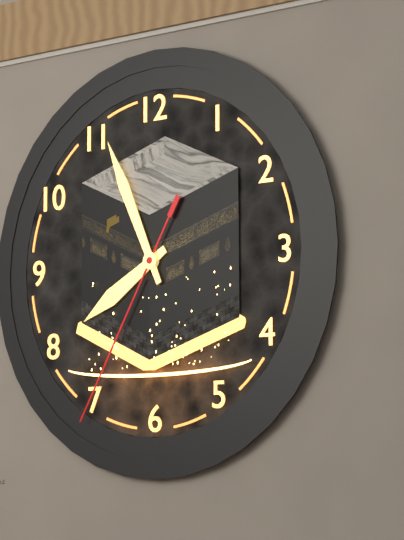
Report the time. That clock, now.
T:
7:56:35
